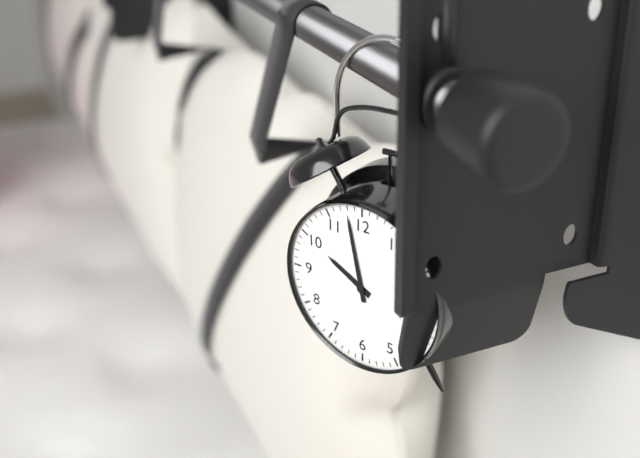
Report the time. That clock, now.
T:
9:58
